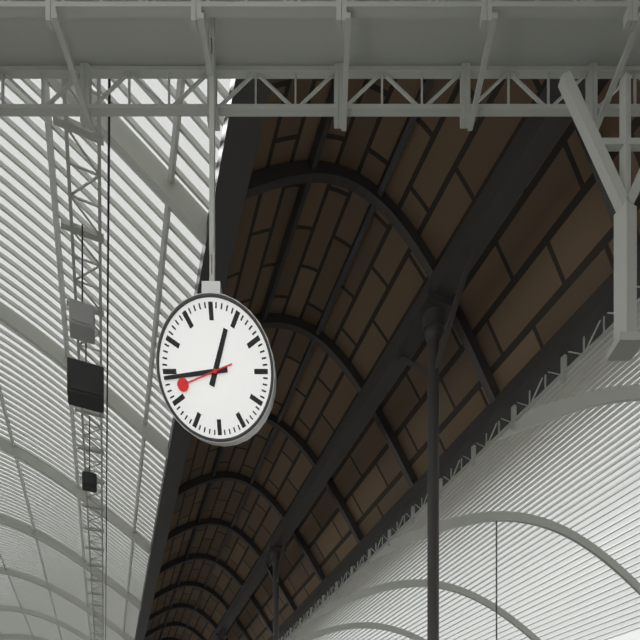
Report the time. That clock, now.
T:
12:44:42
